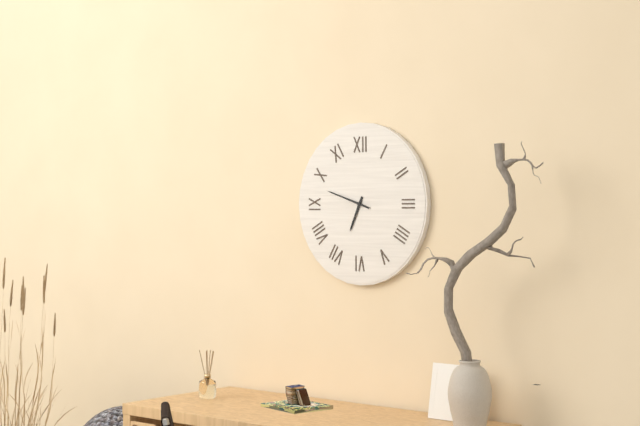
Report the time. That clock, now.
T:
6:48
